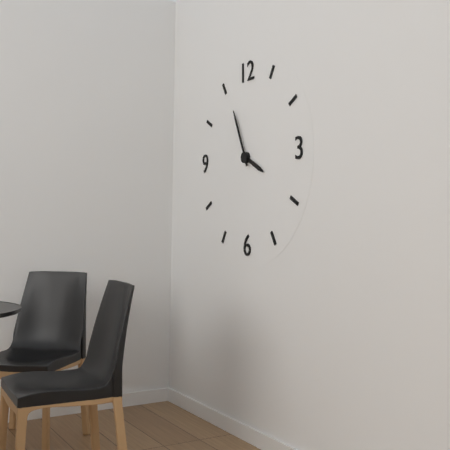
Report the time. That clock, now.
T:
3:56
